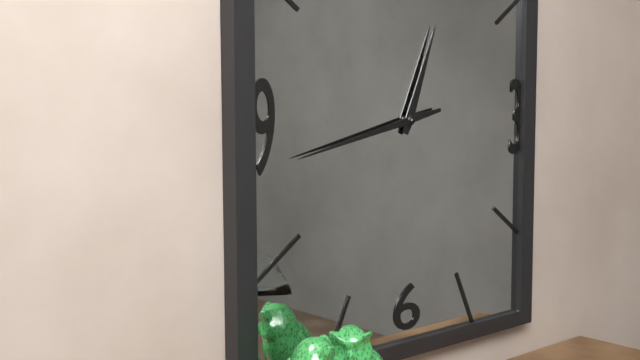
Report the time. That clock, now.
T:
12:43
